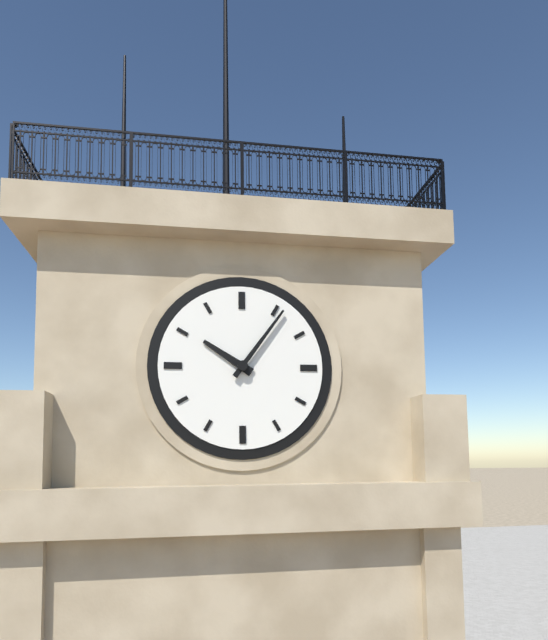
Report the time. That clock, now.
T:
10:06
